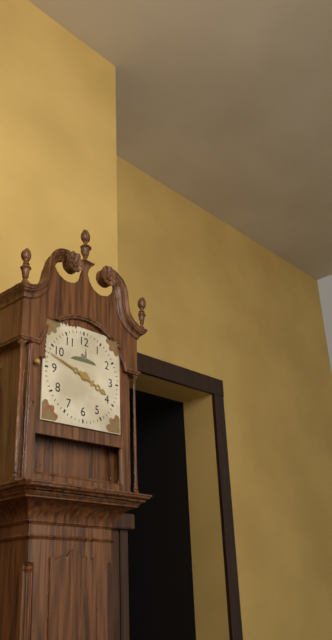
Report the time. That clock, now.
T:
3:48
